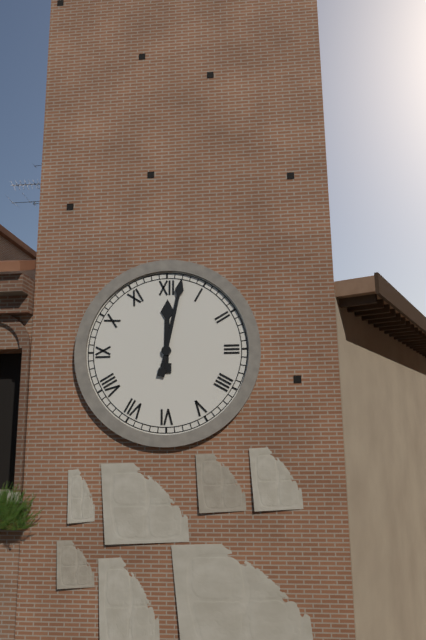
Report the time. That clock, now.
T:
12:02
